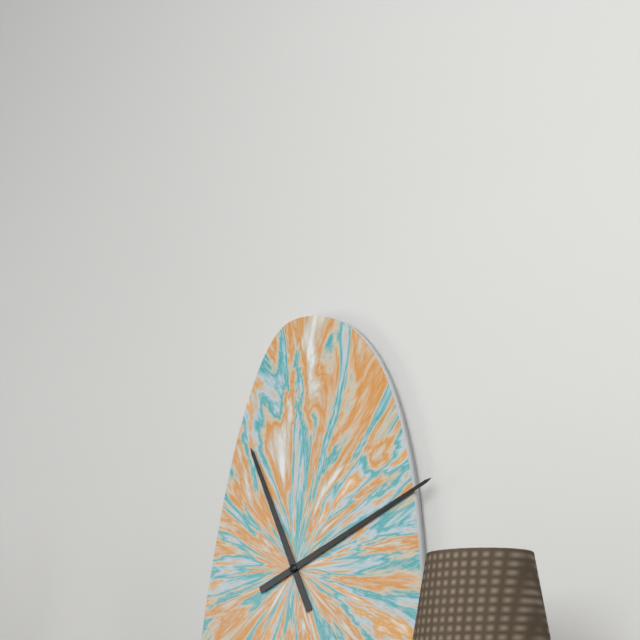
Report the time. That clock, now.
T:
11:11
